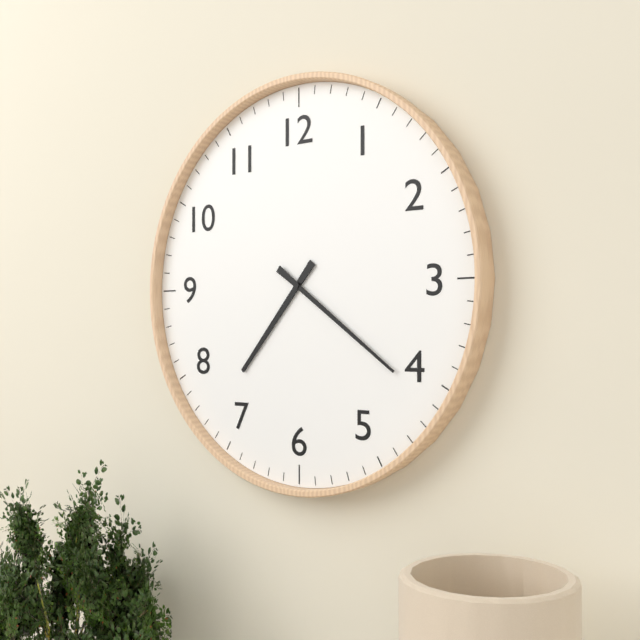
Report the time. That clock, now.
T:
7:21
